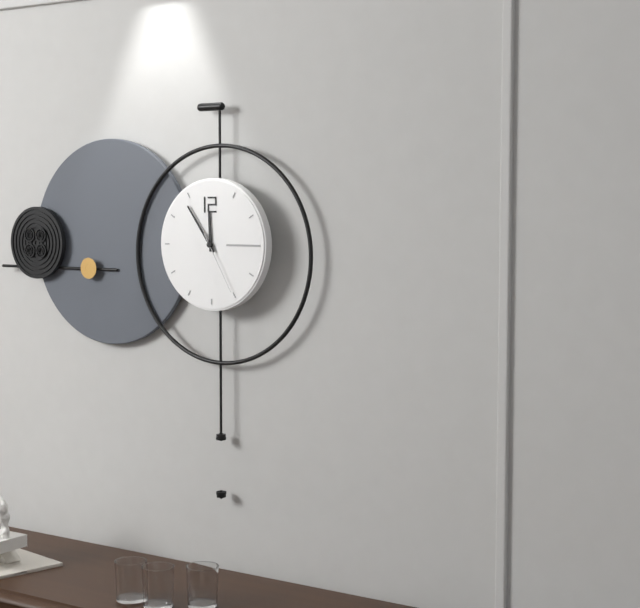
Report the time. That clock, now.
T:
11:54:25
